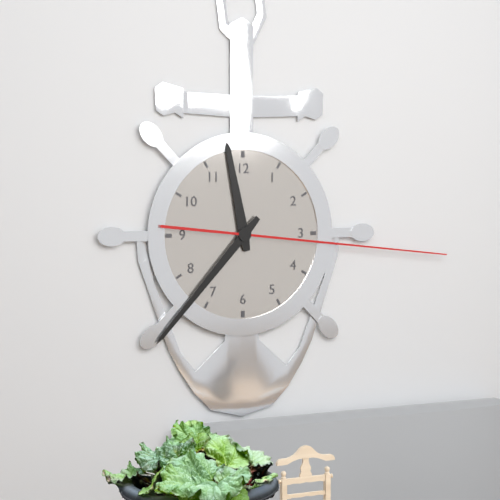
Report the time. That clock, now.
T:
11:37:16
